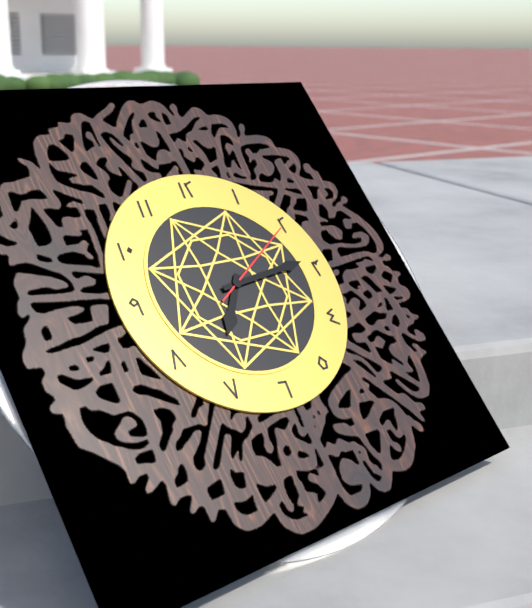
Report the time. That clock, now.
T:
7:14:10
